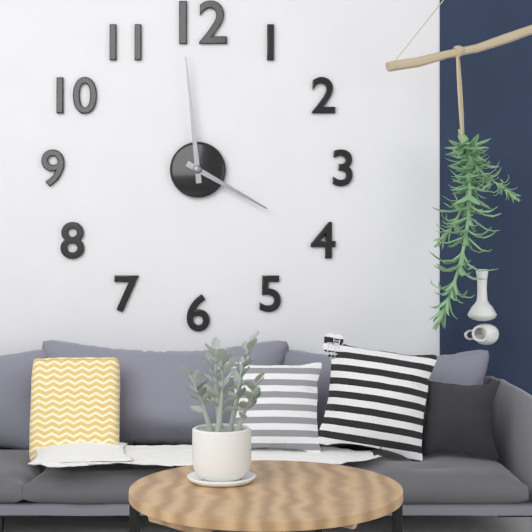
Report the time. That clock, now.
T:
3:59
